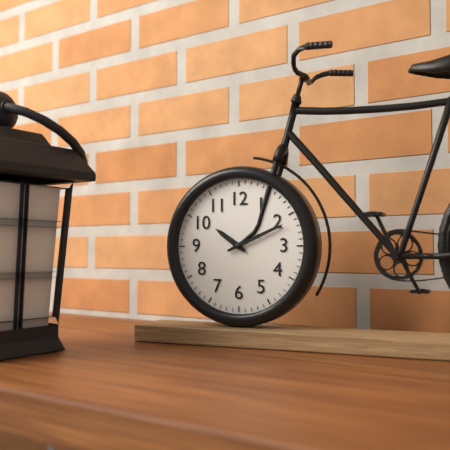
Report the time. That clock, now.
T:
10:11
